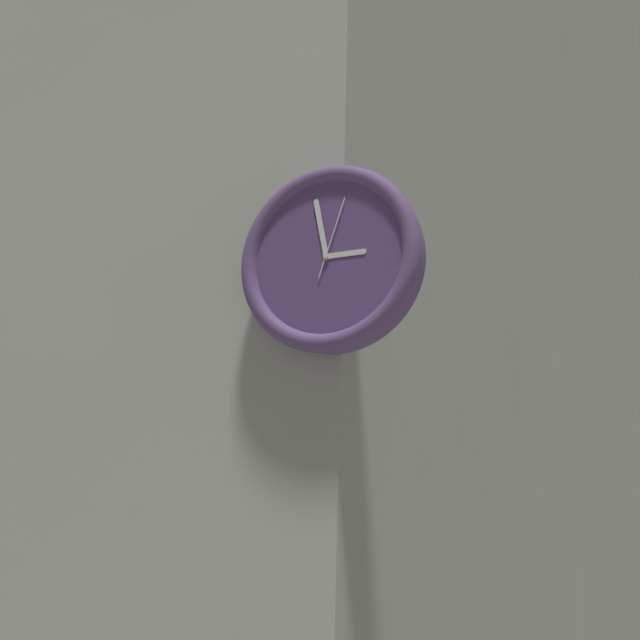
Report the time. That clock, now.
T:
2:58:03
